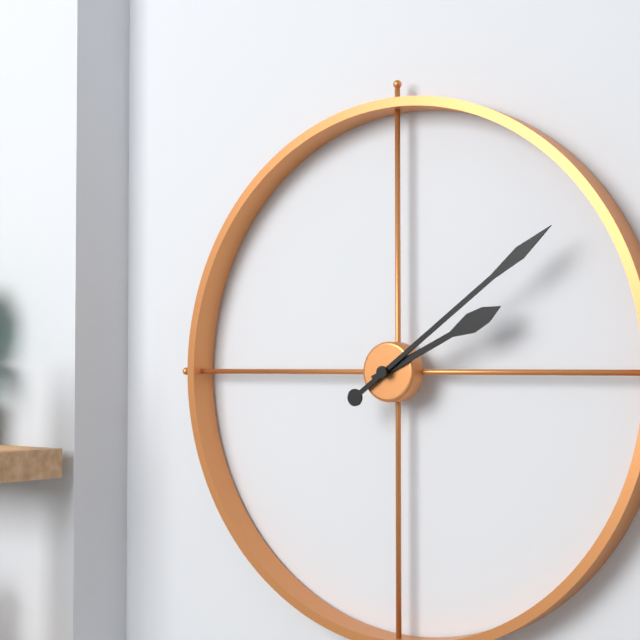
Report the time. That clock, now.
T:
2:09
